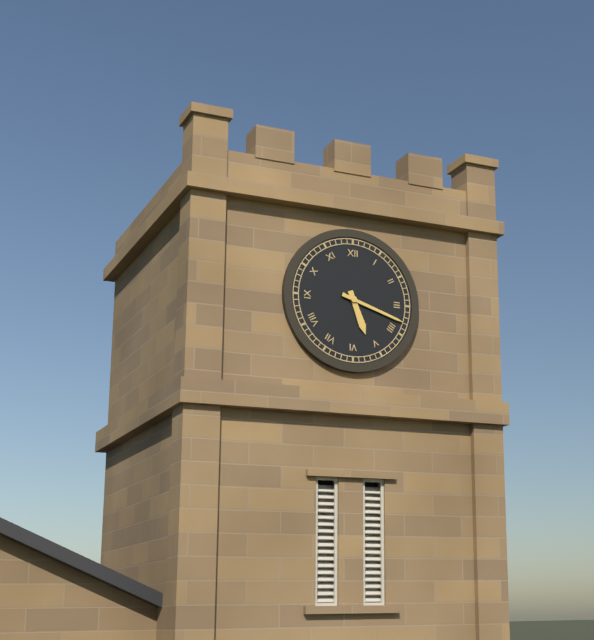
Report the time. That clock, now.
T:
5:18
